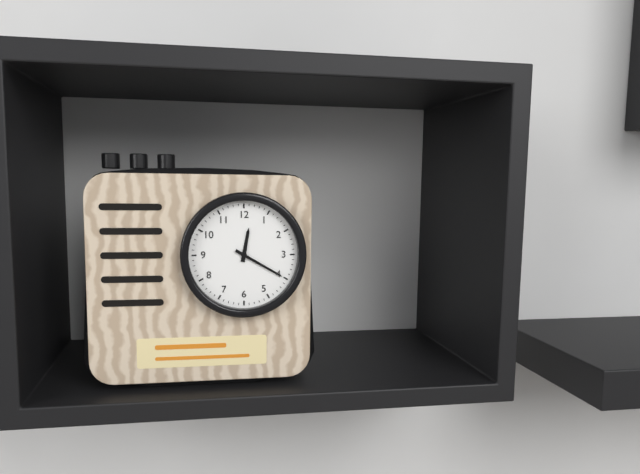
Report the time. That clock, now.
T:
12:20
